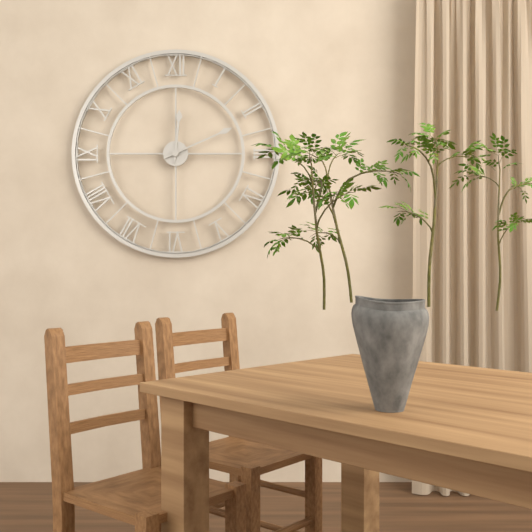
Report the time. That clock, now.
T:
12:11
